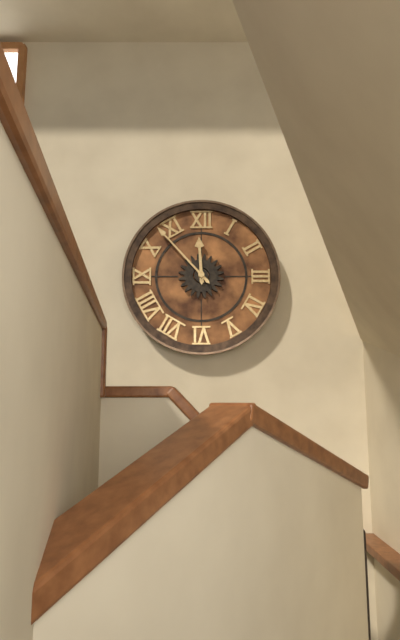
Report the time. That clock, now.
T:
11:53
